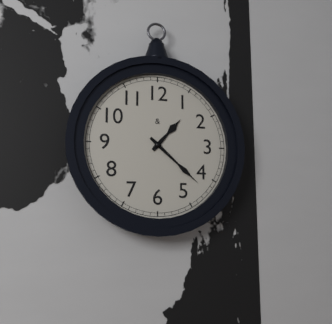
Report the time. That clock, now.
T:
1:22
